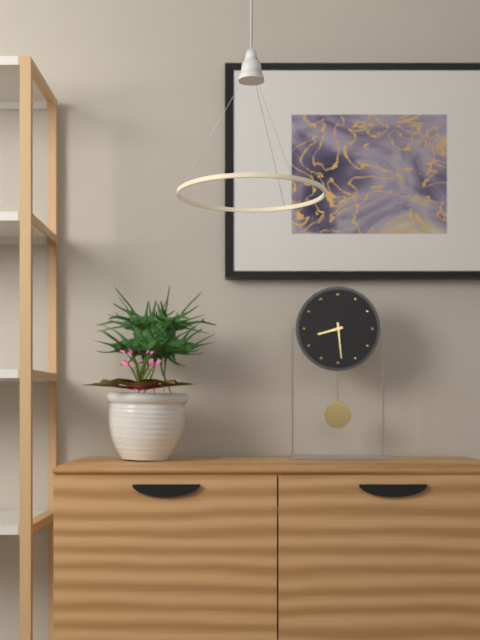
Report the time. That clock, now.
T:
8:29
